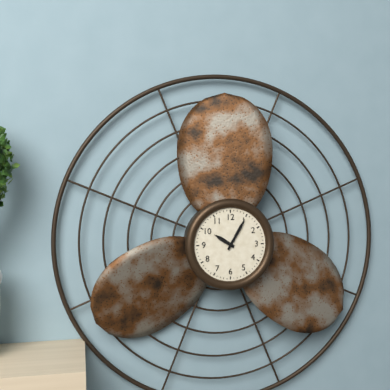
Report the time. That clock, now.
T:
10:05
